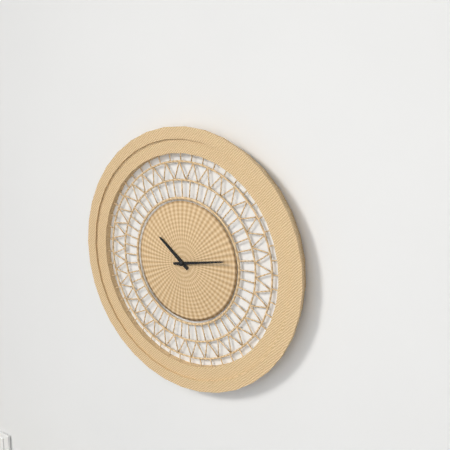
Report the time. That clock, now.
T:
10:13
